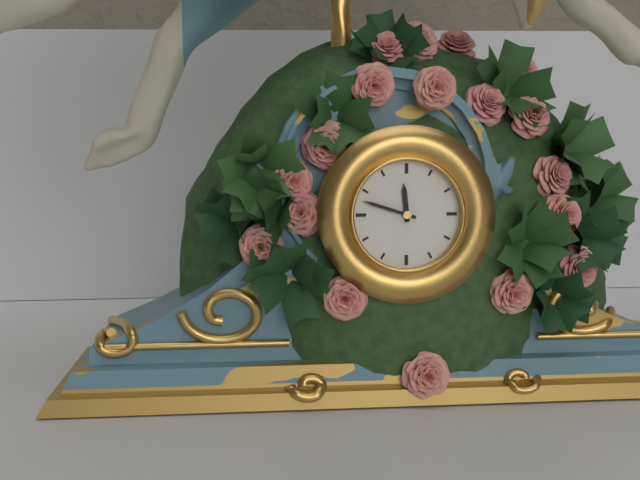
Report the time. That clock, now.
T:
11:48
